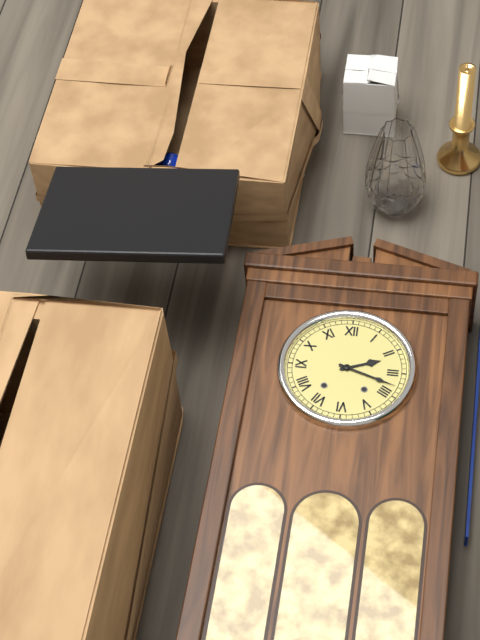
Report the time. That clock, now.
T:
2:18
